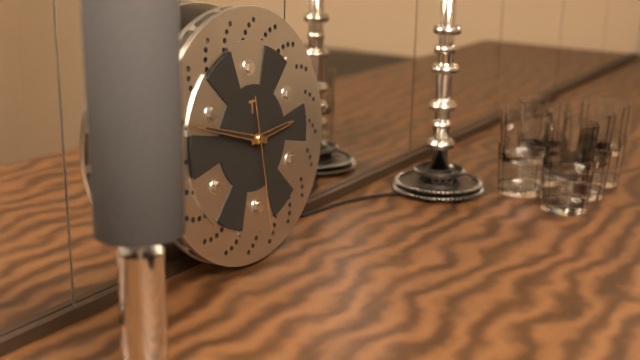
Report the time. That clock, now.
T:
2:48:29
